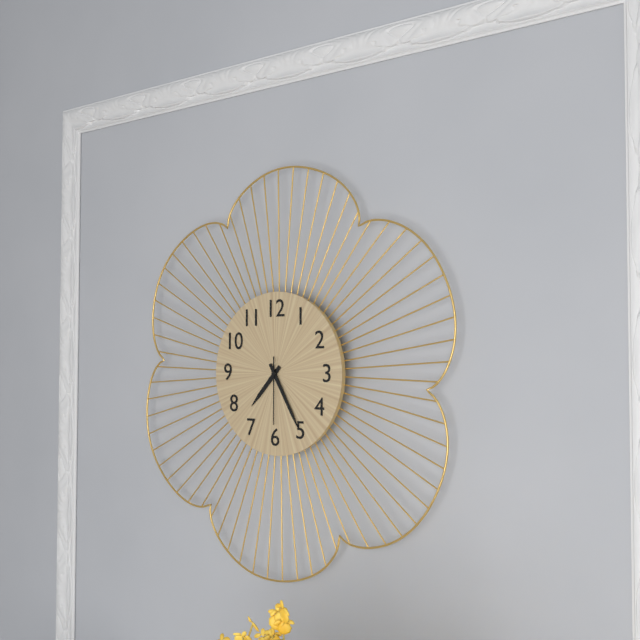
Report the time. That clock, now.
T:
7:25:30
